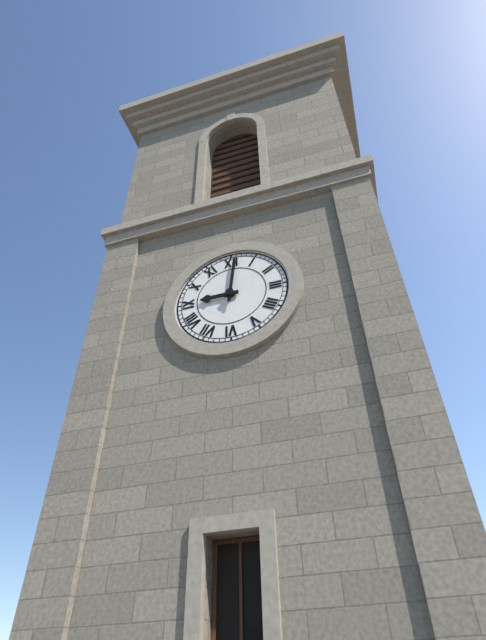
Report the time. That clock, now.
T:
9:01
